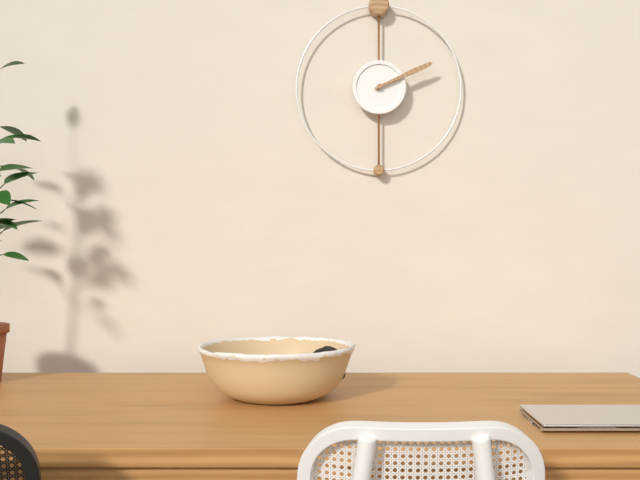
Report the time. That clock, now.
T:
2:11
